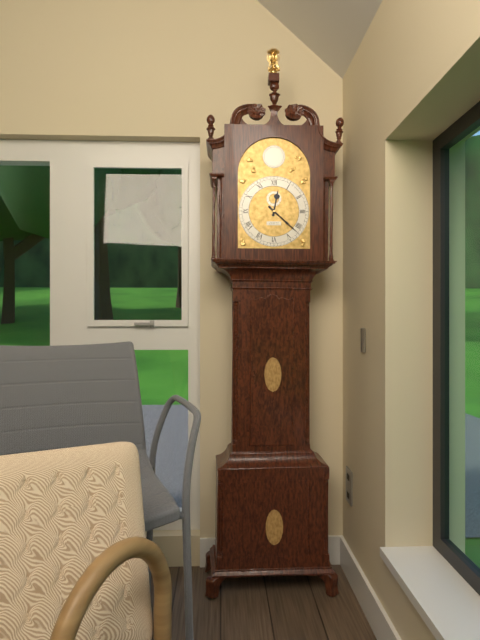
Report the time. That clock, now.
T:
12:22
